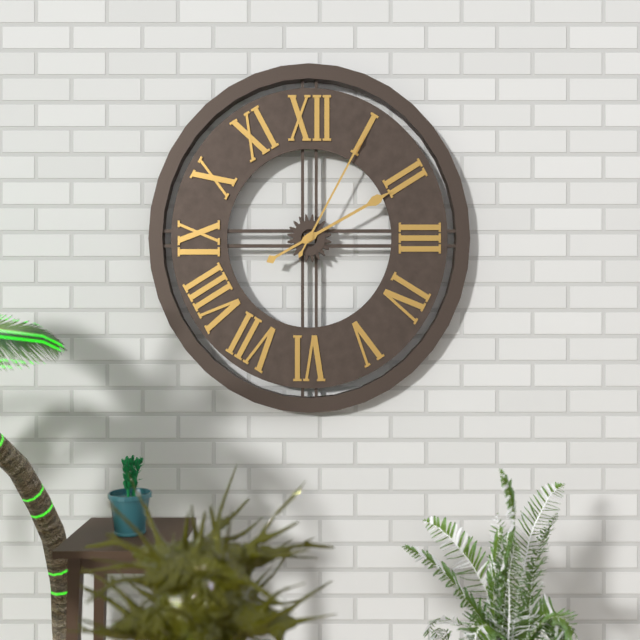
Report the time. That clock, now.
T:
2:05
